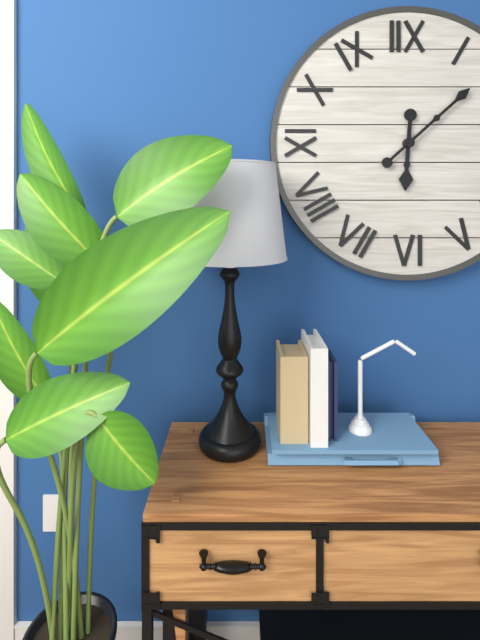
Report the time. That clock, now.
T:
6:08
